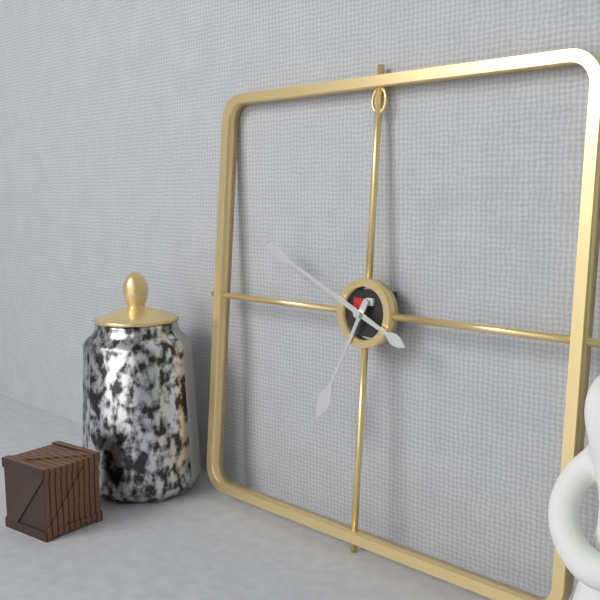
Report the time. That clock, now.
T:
6:49
